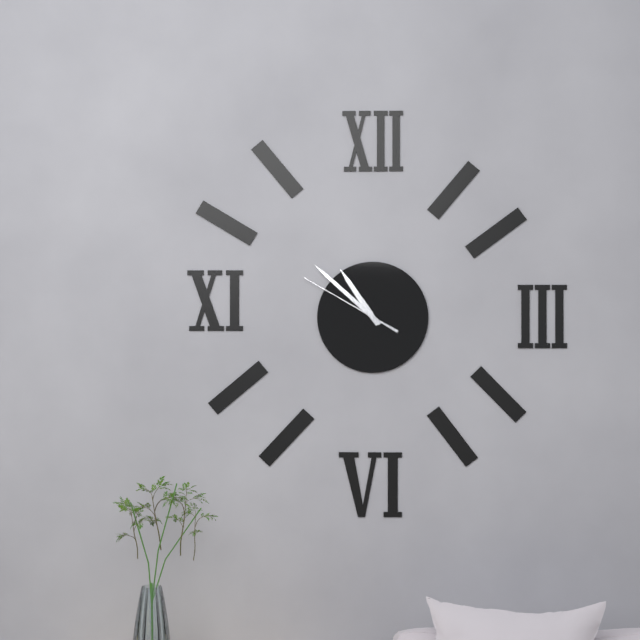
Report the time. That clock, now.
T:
10:52:50
